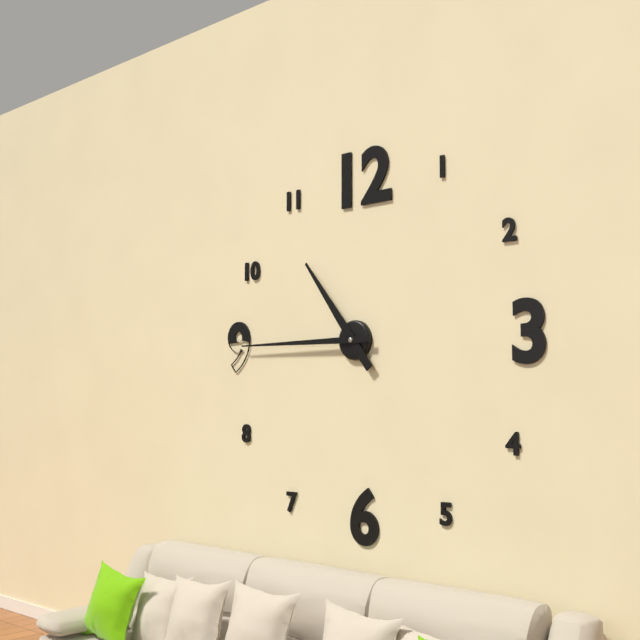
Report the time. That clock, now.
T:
10:45
